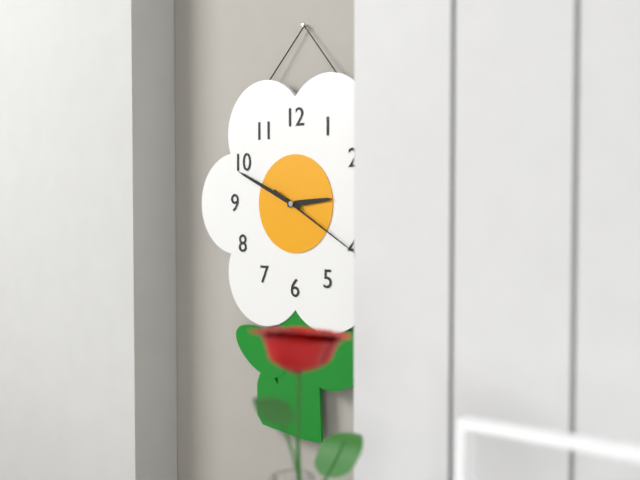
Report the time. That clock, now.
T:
2:49:20
